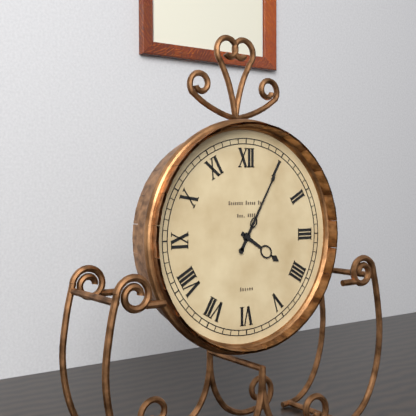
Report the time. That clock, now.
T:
4:05
